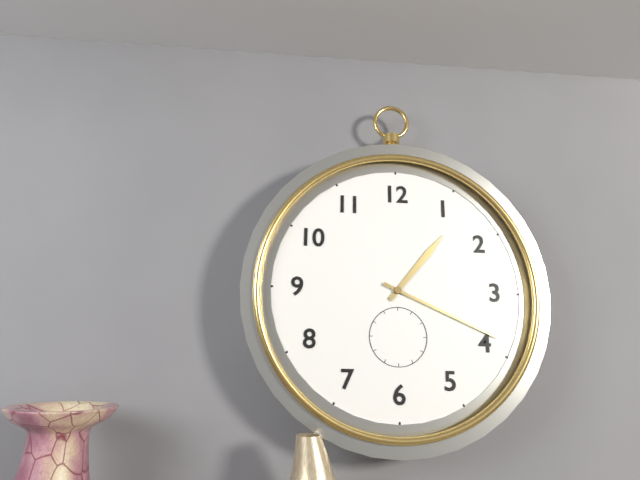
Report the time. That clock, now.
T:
1:19
